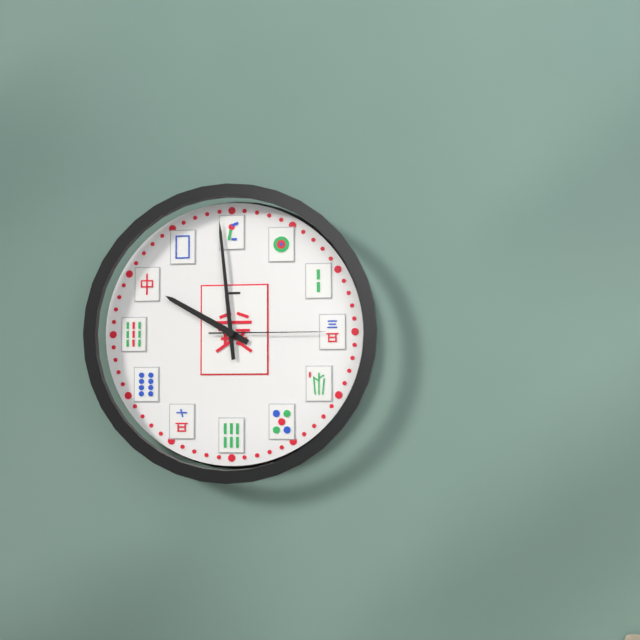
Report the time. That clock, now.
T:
9:59:15
